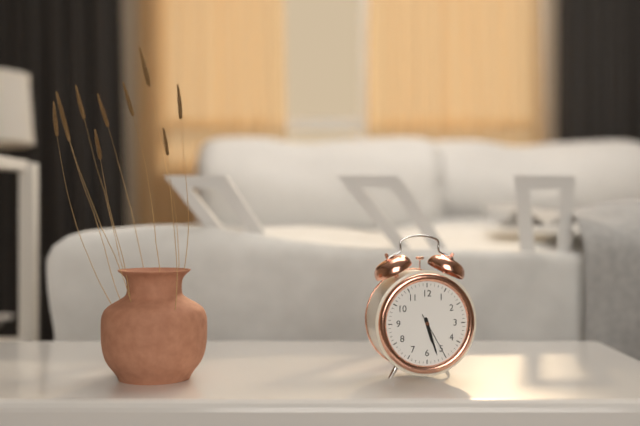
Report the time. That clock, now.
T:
5:27
